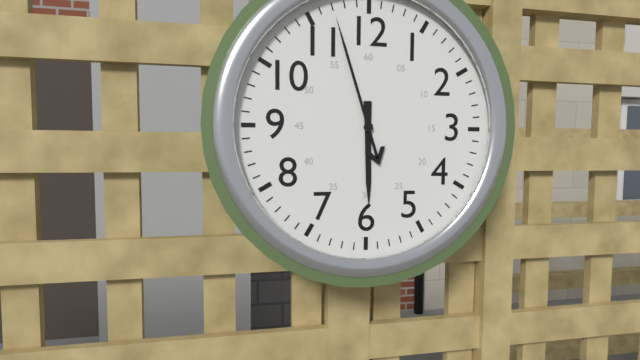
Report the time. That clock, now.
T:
5:57
